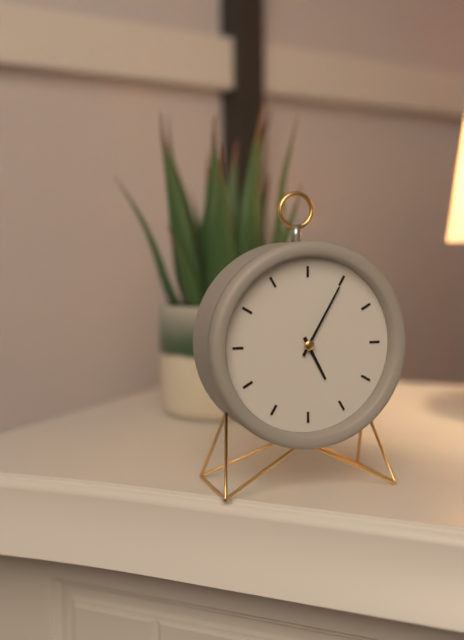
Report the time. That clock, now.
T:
5:05
